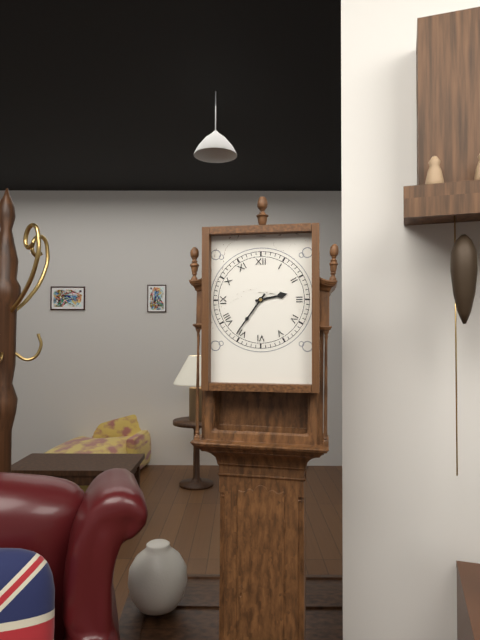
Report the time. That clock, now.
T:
2:36
